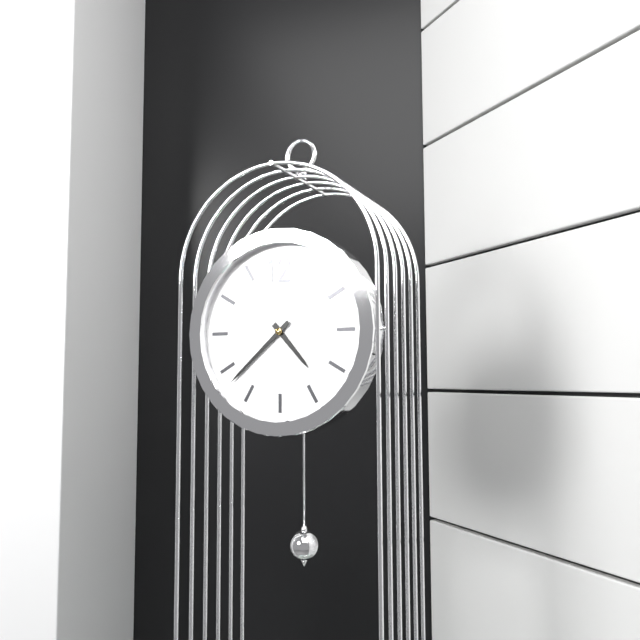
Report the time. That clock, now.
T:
4:38
